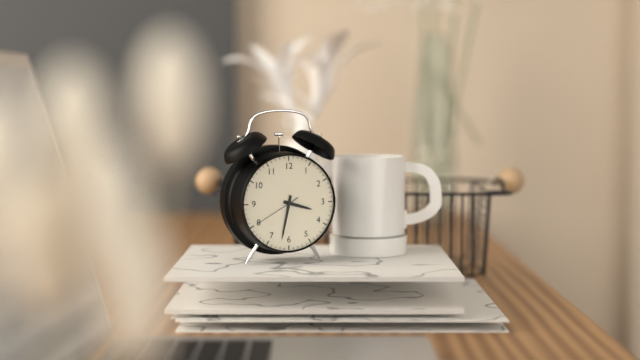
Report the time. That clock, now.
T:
3:32
